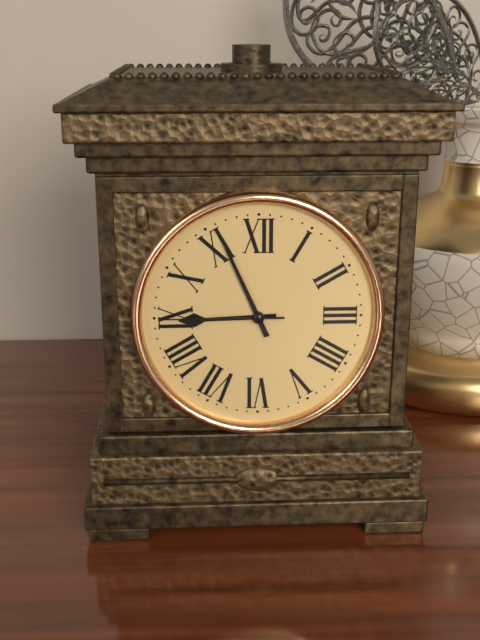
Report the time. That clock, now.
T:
8:56:45
